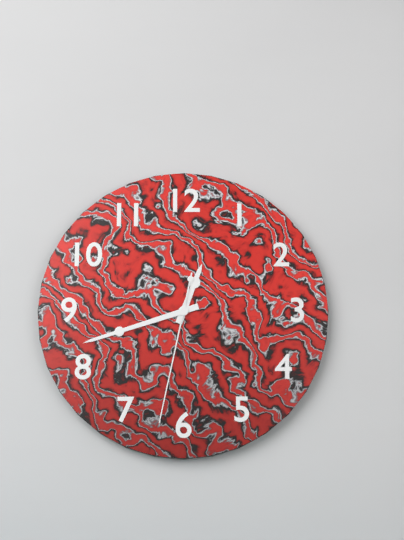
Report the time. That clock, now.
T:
12:42:32
